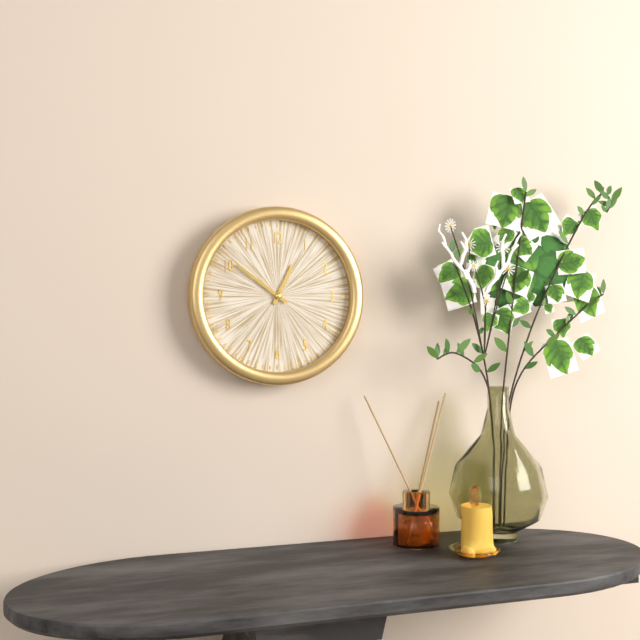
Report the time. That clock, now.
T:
12:51
